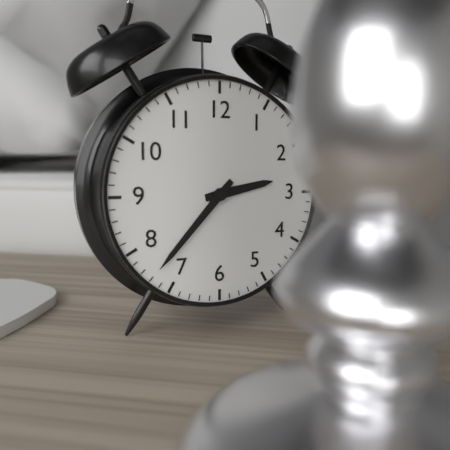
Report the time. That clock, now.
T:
2:37
